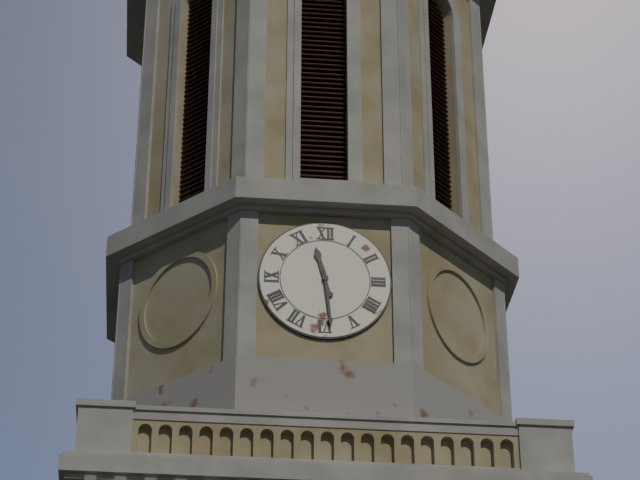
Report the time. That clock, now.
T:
11:29
